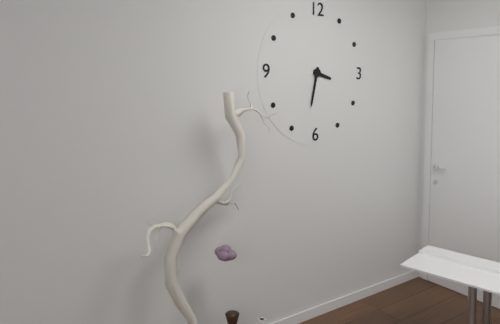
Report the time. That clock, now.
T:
3:32
